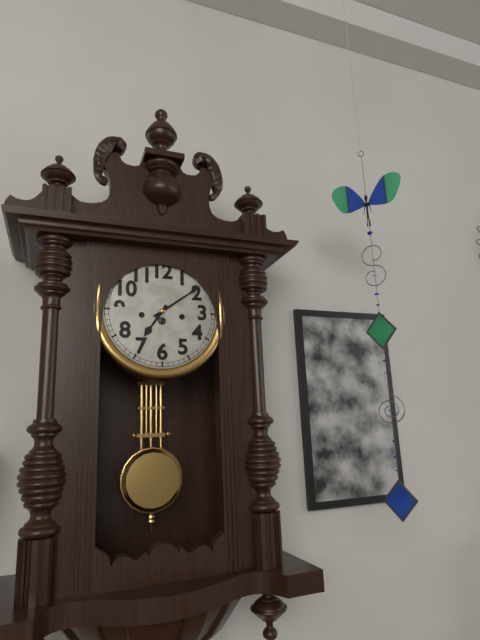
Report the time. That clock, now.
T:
7:09
